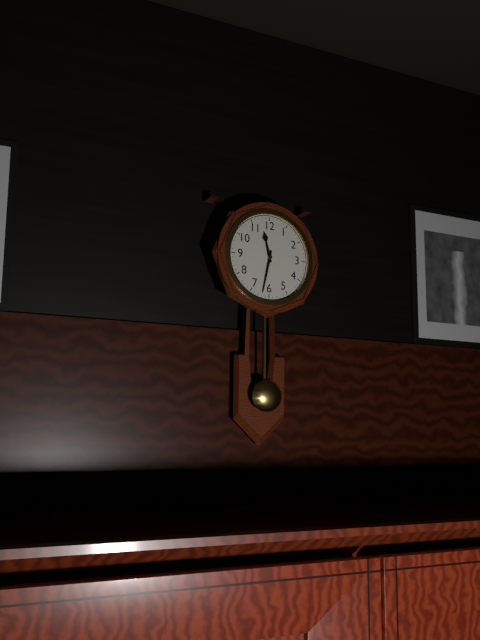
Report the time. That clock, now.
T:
11:32
